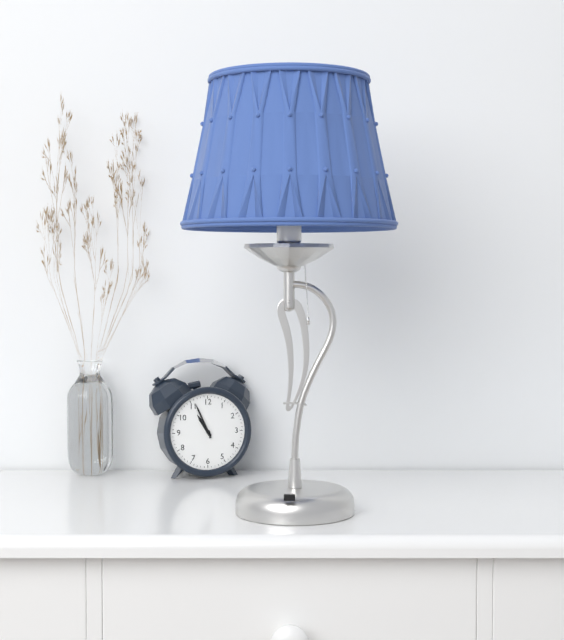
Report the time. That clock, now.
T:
10:56
